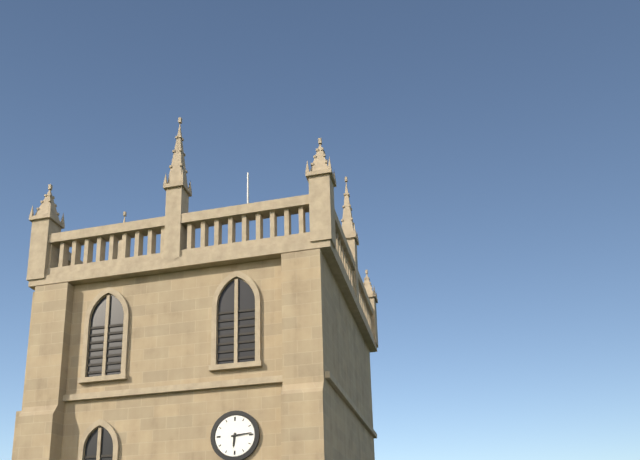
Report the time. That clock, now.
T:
6:14
